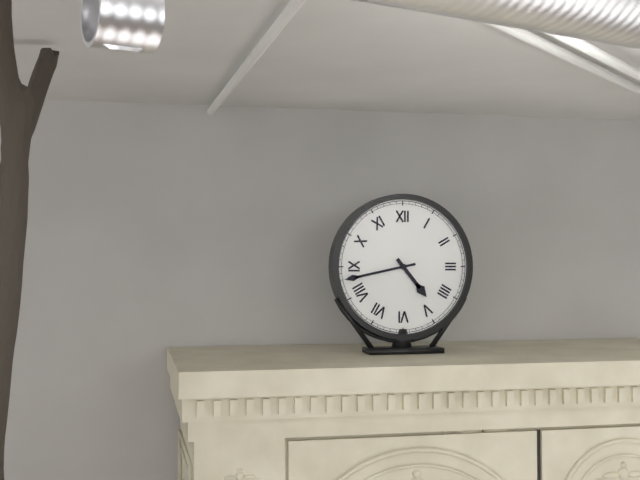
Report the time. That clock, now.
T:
4:43
